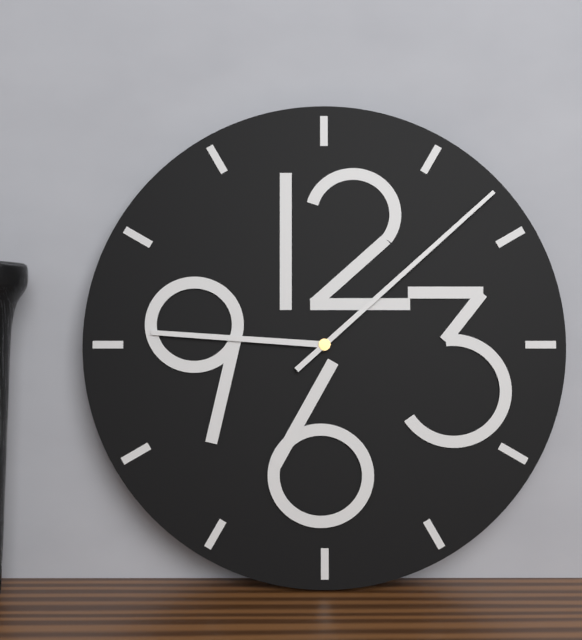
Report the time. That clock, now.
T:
9:08
